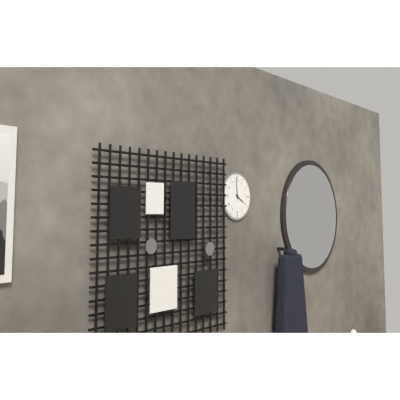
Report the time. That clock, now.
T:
3:59
